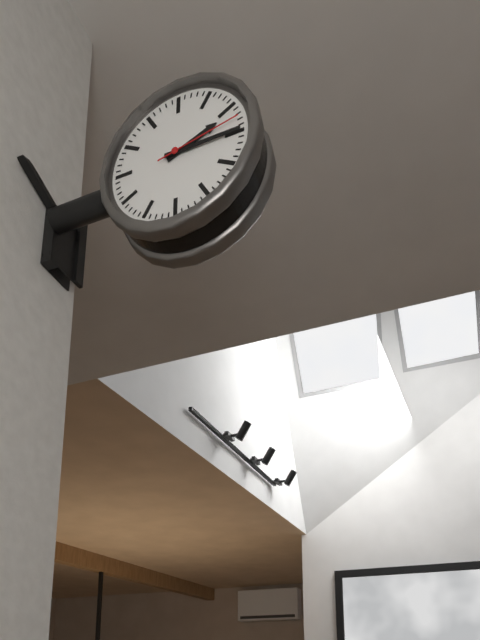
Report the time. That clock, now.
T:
2:15:13
